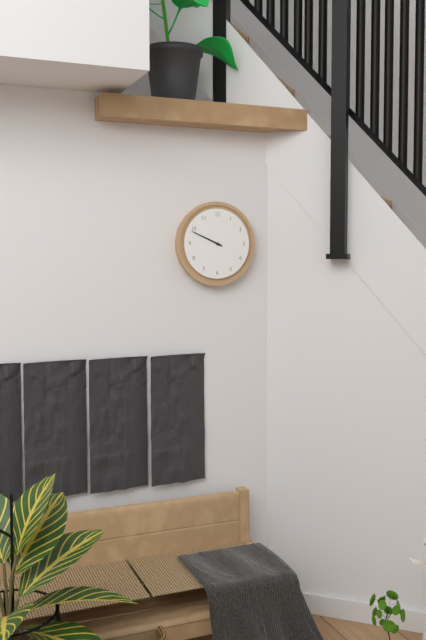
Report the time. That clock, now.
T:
9:49
